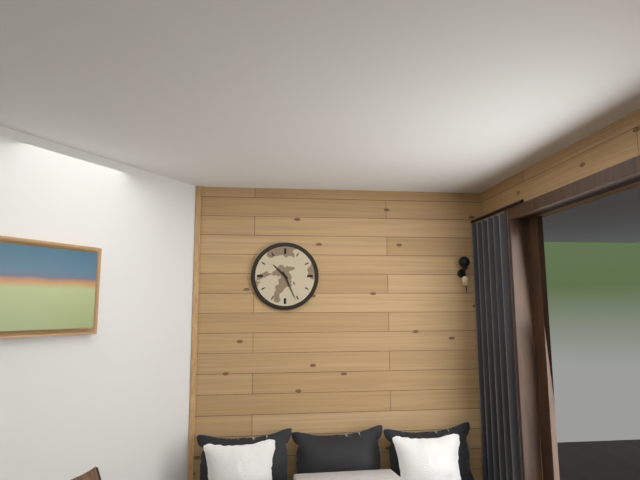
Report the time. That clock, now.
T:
10:26
